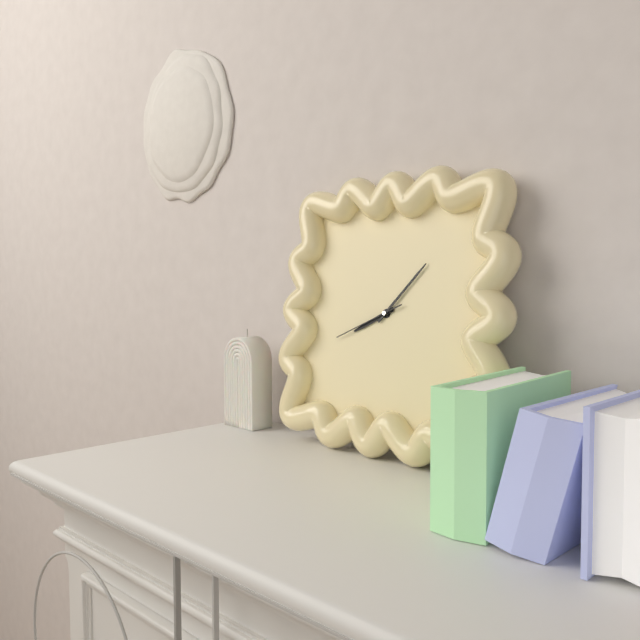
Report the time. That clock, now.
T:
8:07:41
